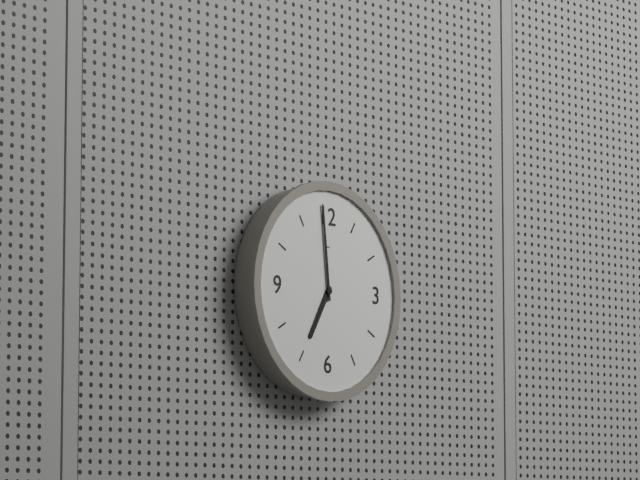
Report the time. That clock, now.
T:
6:59
